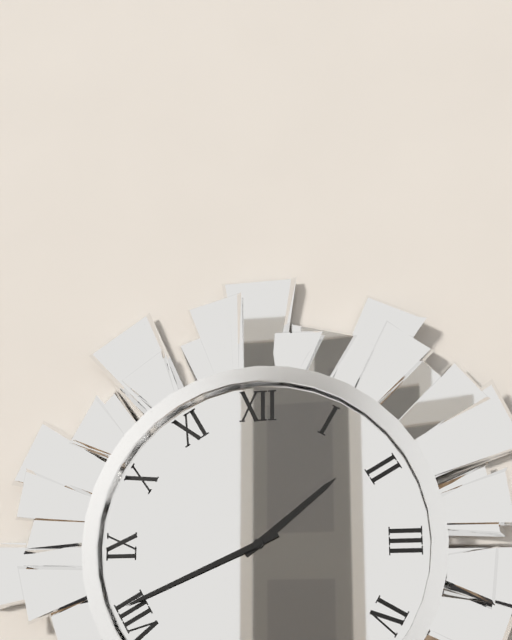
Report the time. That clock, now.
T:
1:41
